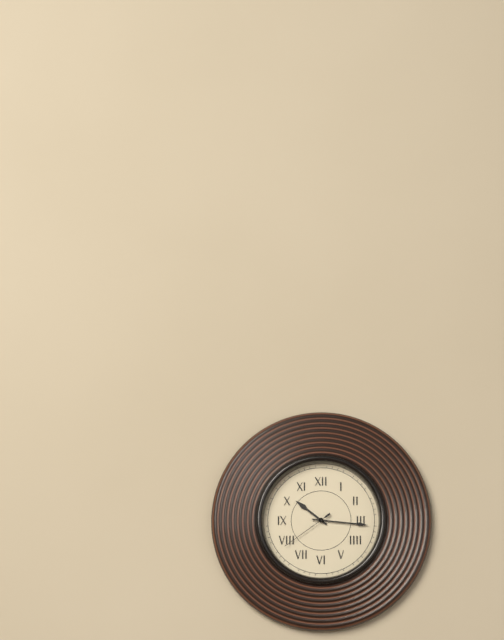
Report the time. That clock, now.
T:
10:16:39
